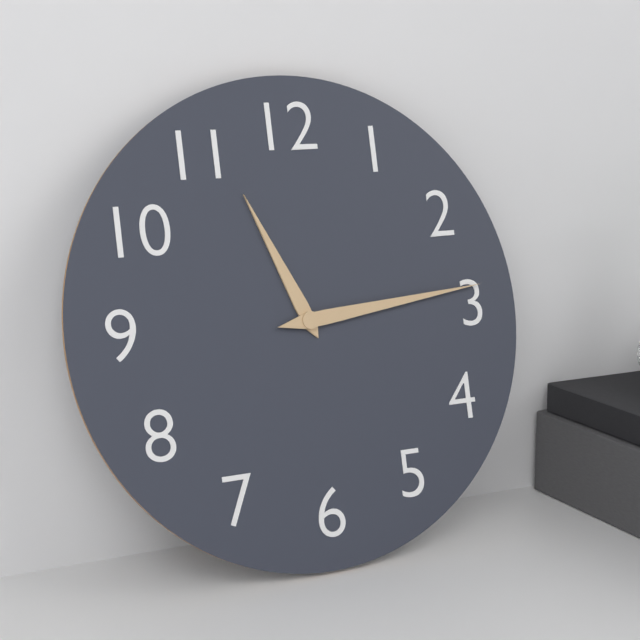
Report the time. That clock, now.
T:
11:14
